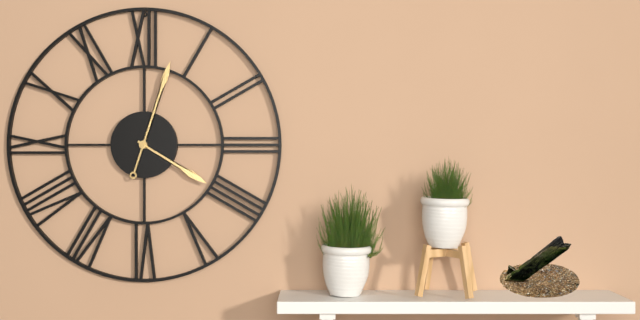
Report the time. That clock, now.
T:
4:03
